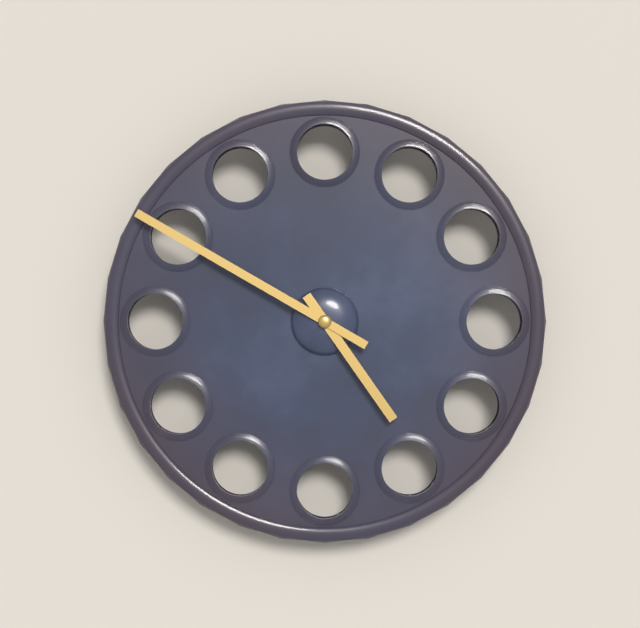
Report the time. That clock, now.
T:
4:50
